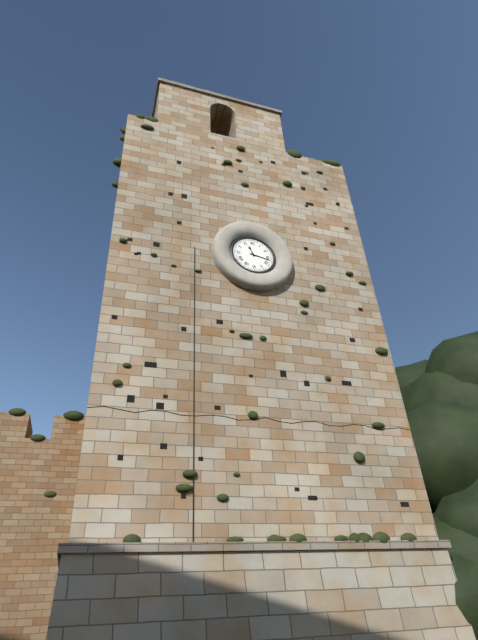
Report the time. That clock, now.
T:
11:17
